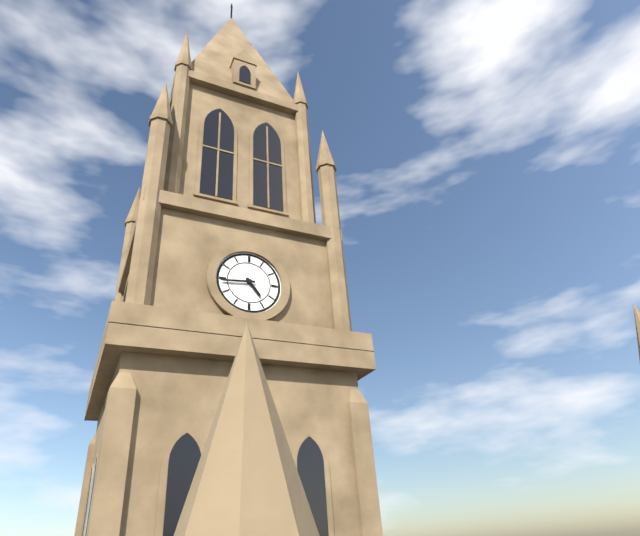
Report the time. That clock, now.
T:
4:44
